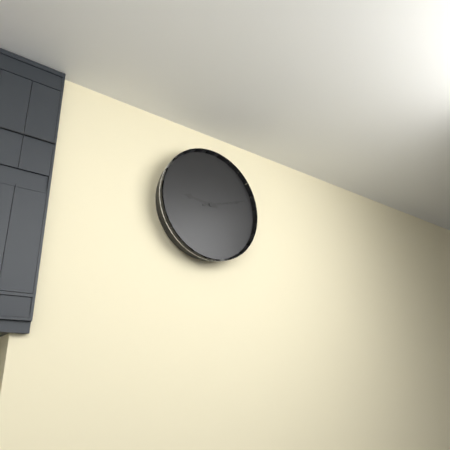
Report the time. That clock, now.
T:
9:12
